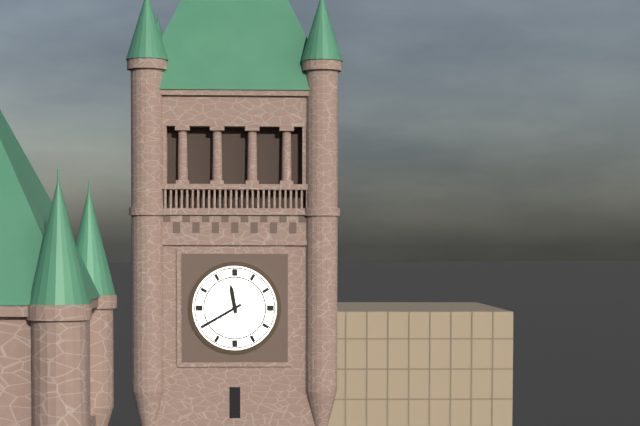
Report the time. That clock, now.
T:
11:40
